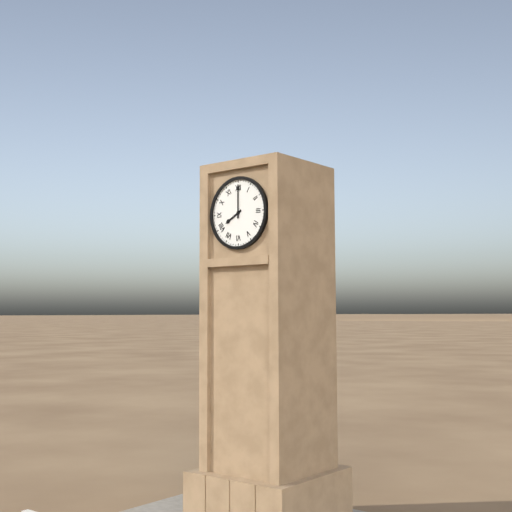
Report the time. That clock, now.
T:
8:00
